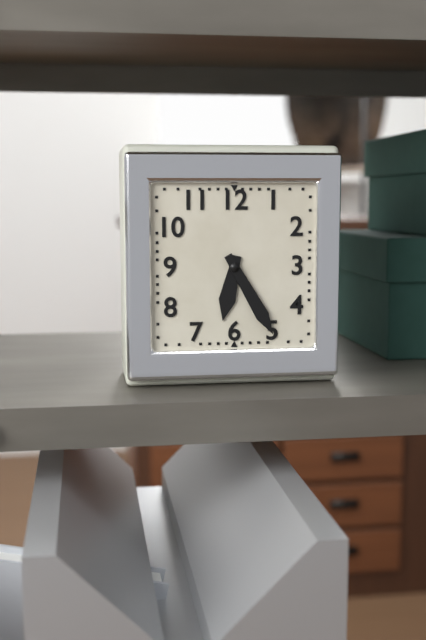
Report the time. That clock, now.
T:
6:25
